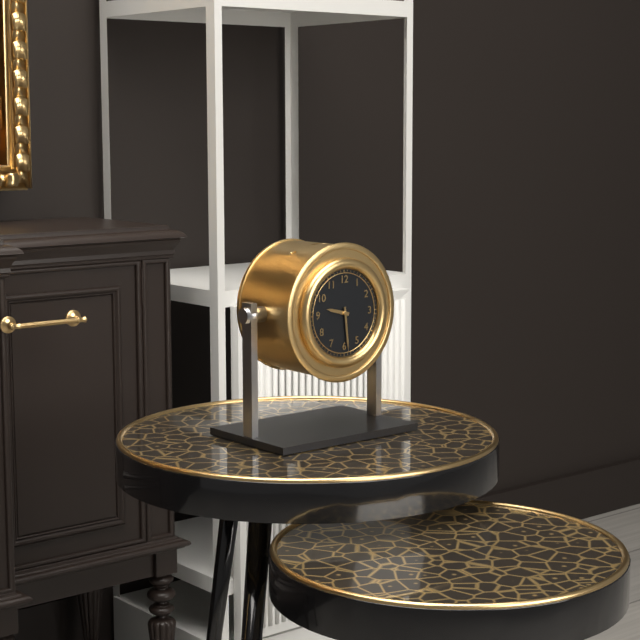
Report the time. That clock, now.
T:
9:29
